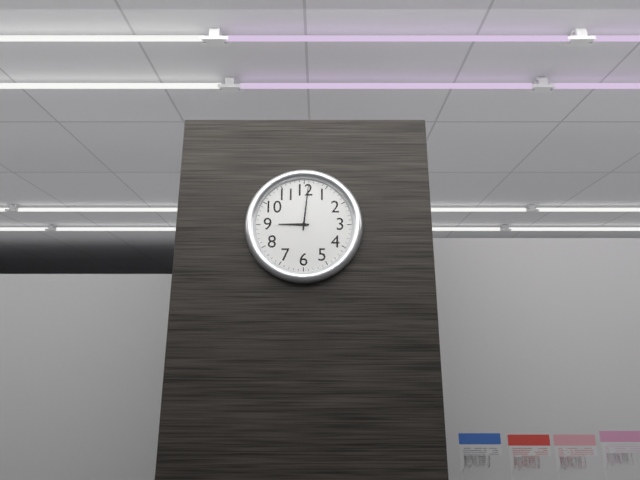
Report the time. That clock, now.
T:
9:01
